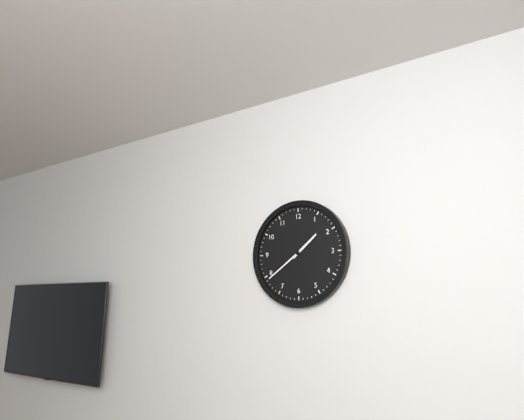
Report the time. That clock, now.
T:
1:39
